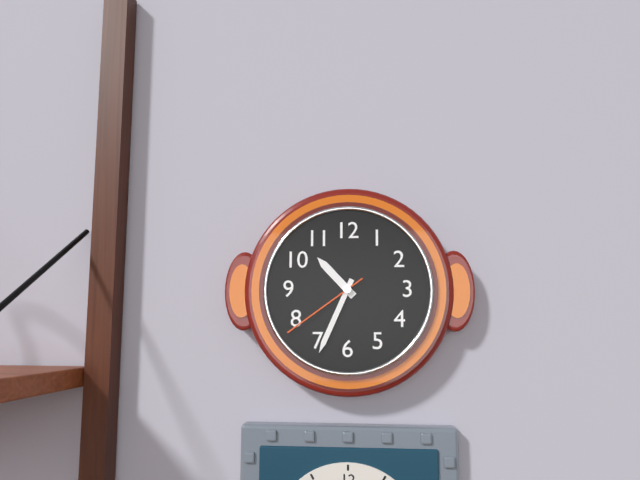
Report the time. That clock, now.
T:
10:34:39
